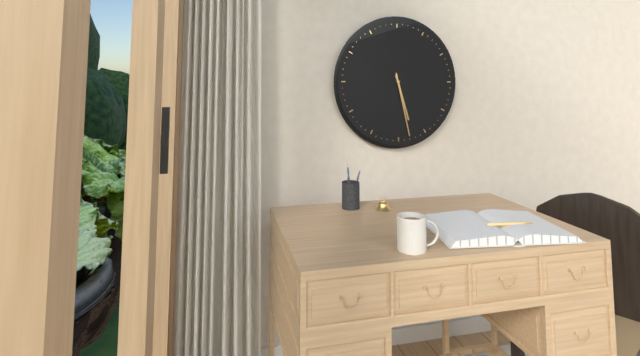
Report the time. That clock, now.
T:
5:28
